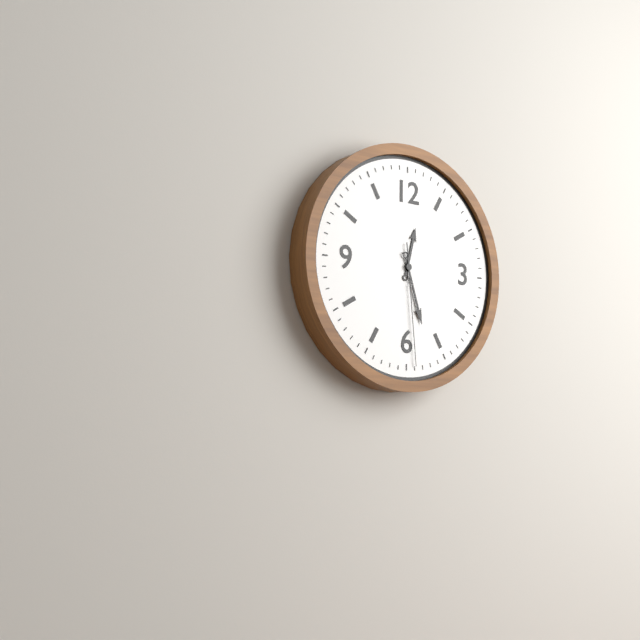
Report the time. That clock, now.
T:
12:27:29
